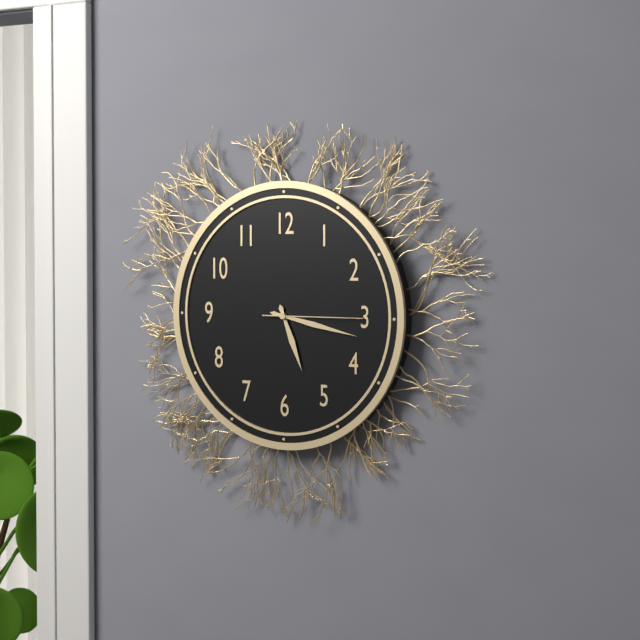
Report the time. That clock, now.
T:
5:17:15
